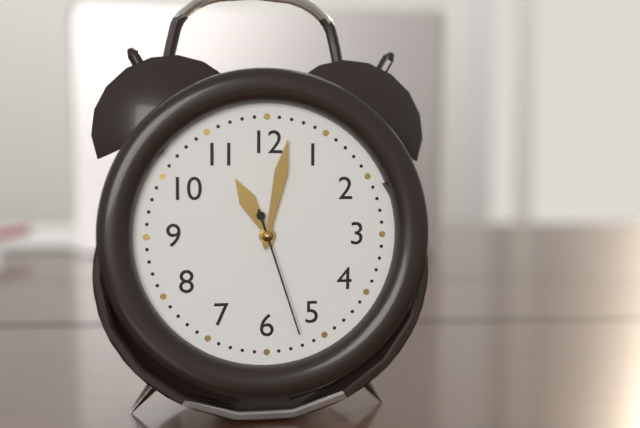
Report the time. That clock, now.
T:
11:02:27
